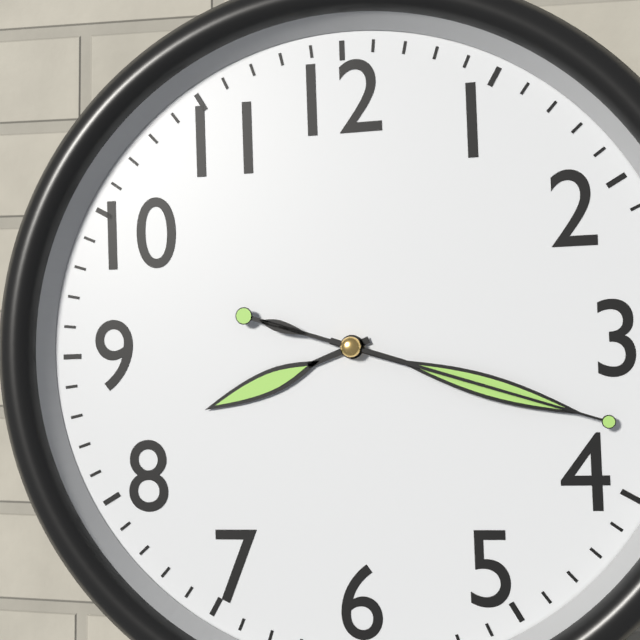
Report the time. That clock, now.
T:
8:18:18
